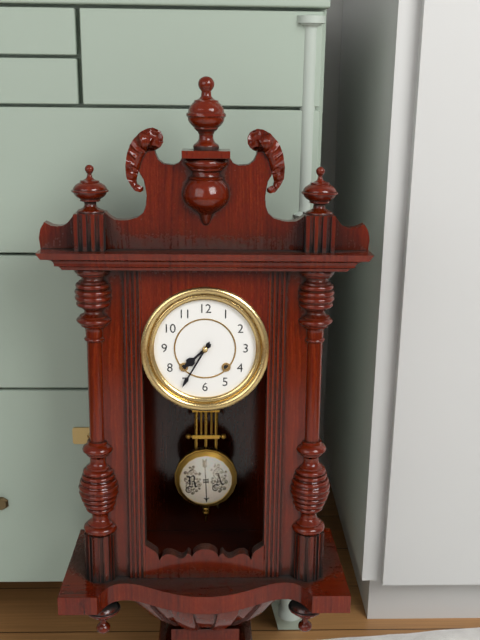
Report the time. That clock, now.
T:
7:35
